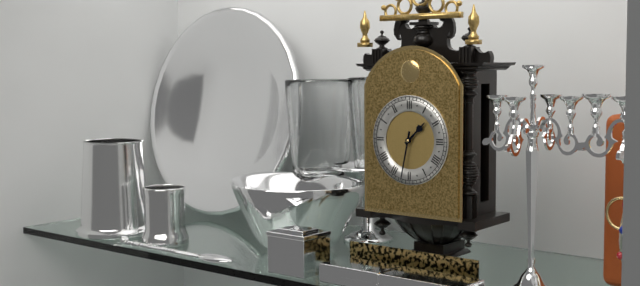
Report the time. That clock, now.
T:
1:32
